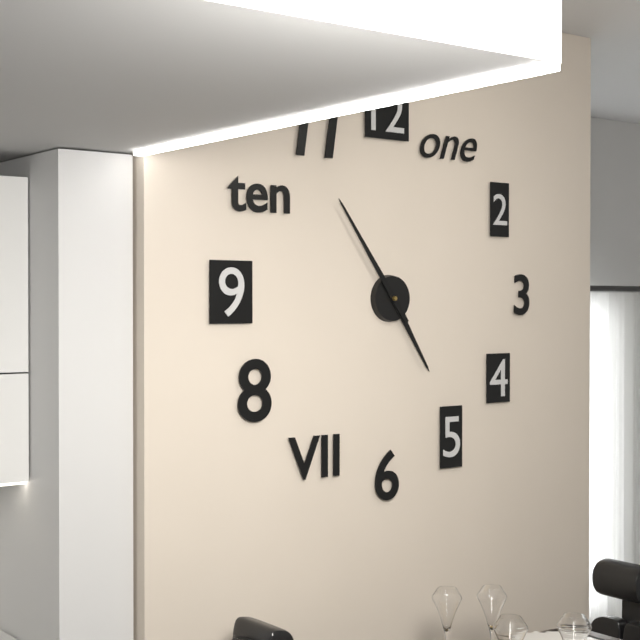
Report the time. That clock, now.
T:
4:54
